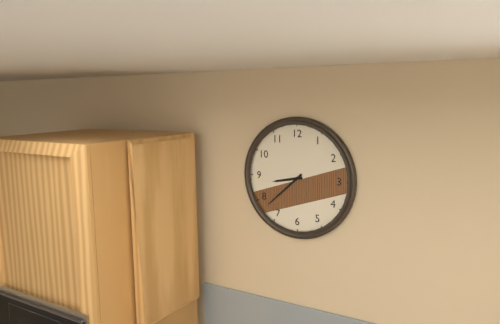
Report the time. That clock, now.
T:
8:38
